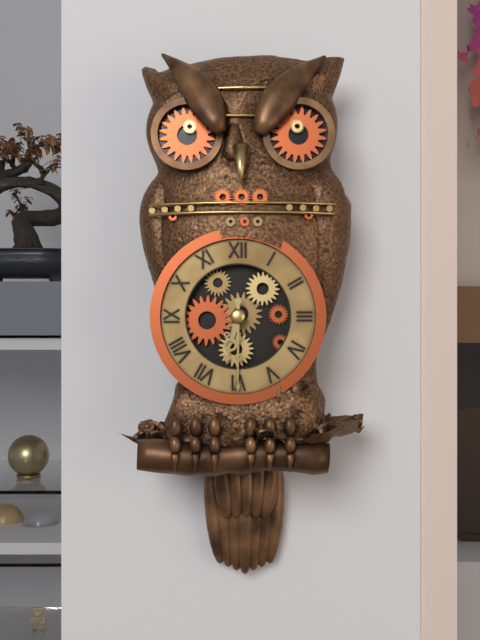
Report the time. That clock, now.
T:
6:30
